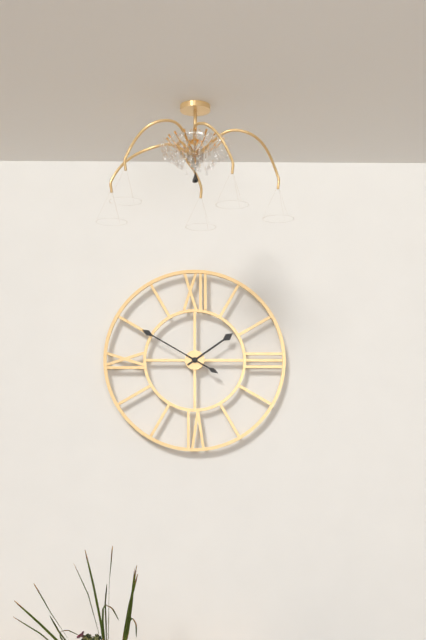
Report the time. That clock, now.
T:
1:50
